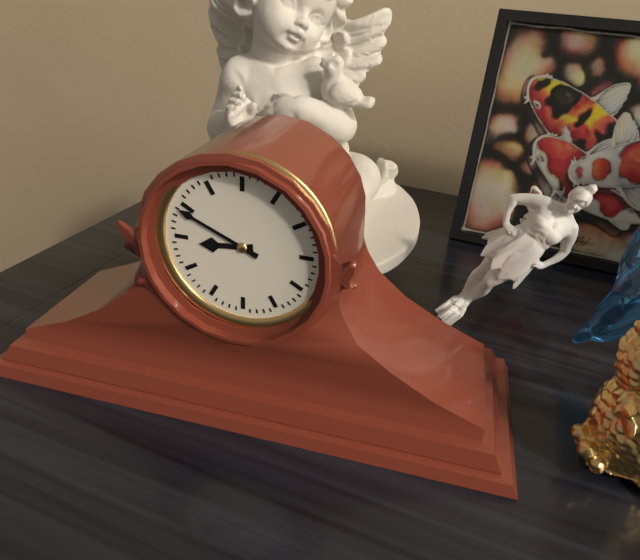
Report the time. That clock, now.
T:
8:49
